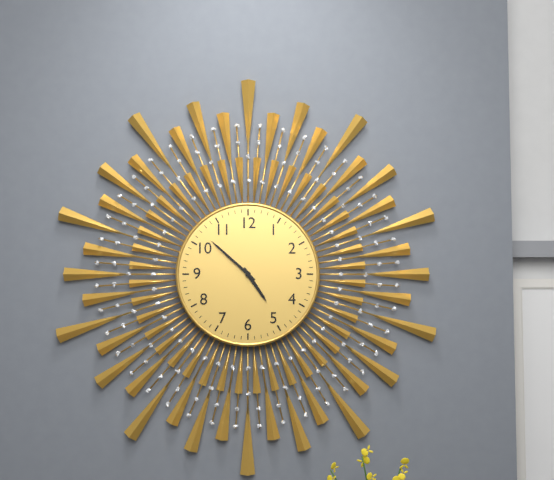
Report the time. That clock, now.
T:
4:52
